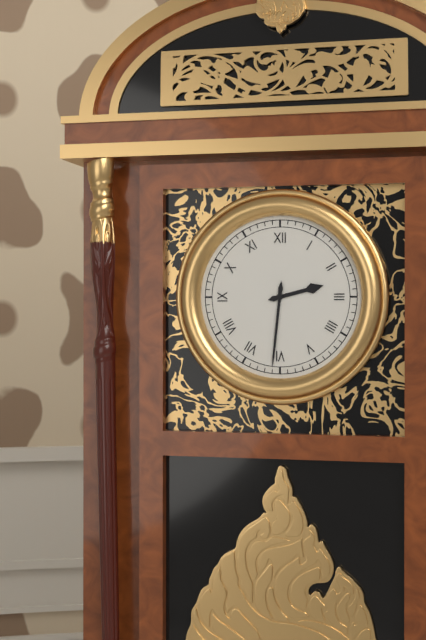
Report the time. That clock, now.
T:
2:31
